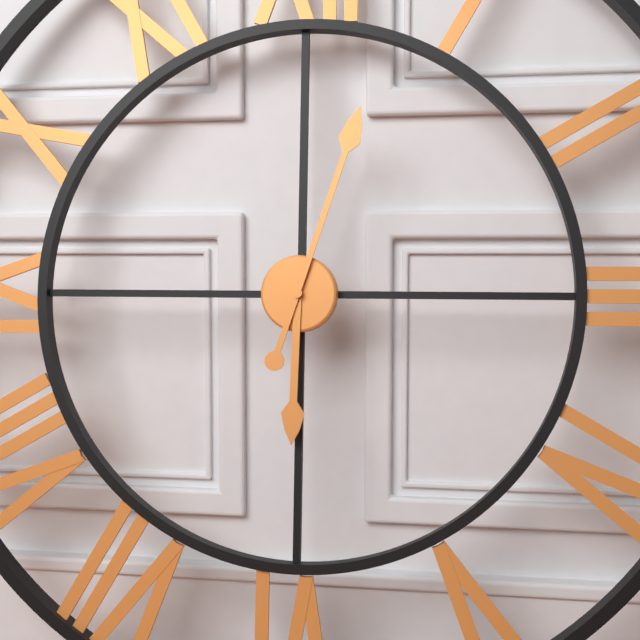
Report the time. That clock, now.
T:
6:03
